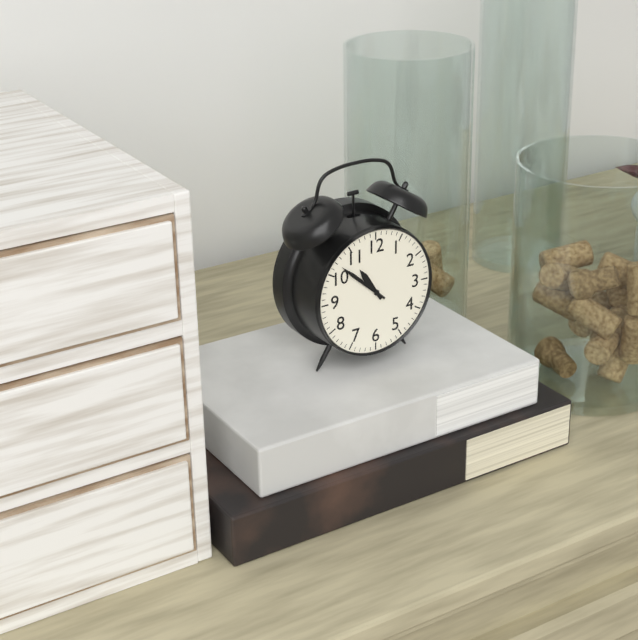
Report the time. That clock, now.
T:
10:52
